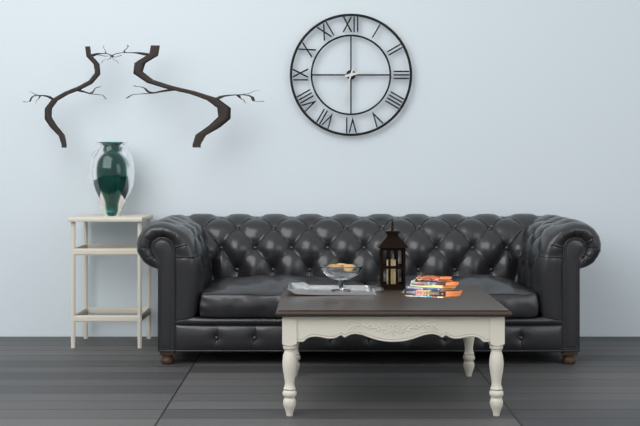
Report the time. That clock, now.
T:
2:33
